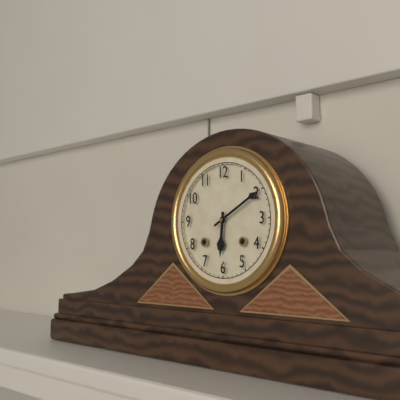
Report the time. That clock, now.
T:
6:10
